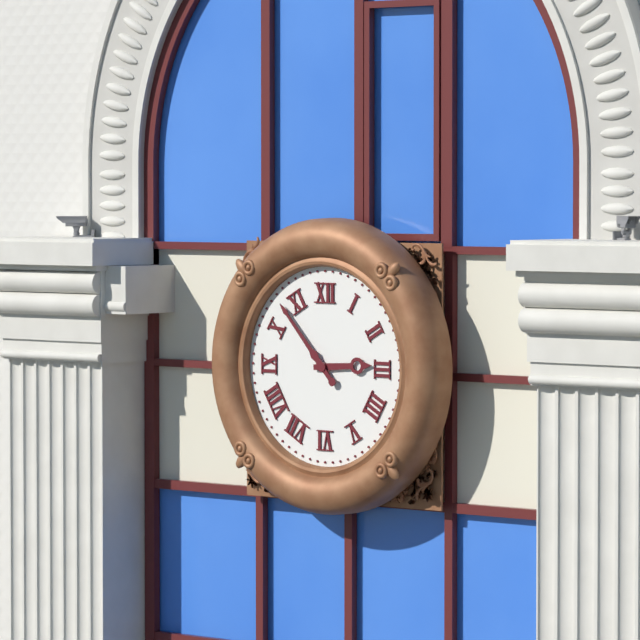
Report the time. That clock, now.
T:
2:53
